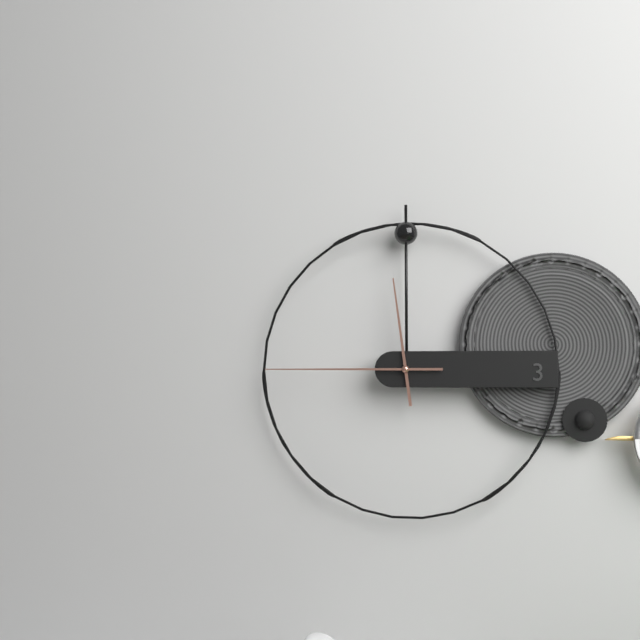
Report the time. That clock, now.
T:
11:45
